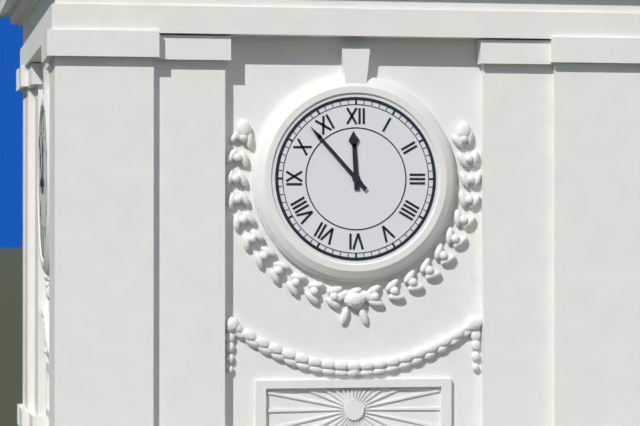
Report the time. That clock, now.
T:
11:53
